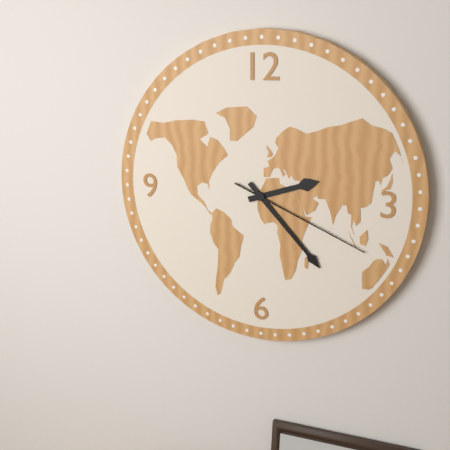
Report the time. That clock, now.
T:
2:23:19
